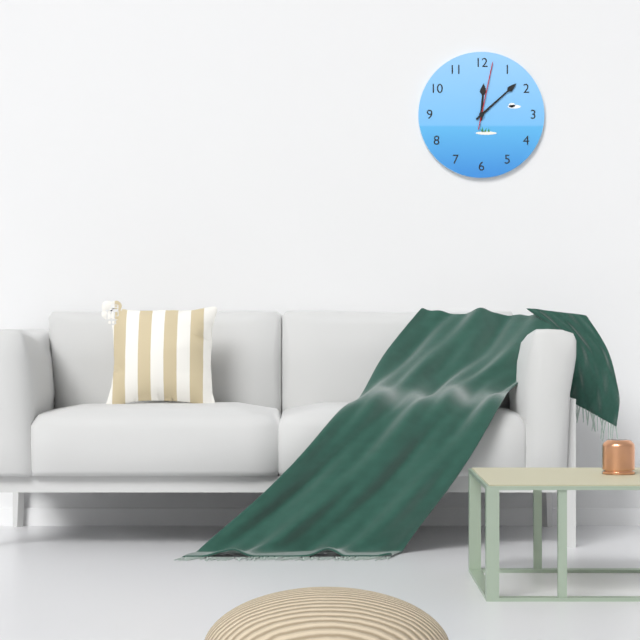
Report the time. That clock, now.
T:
12:08:02
